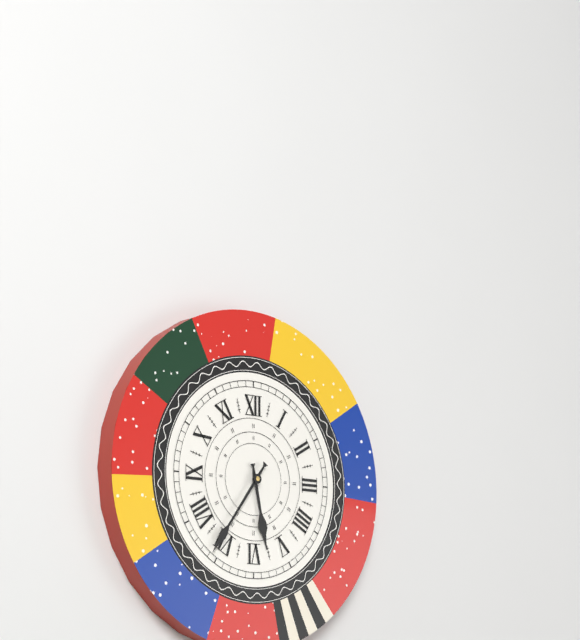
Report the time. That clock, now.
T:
5:36
